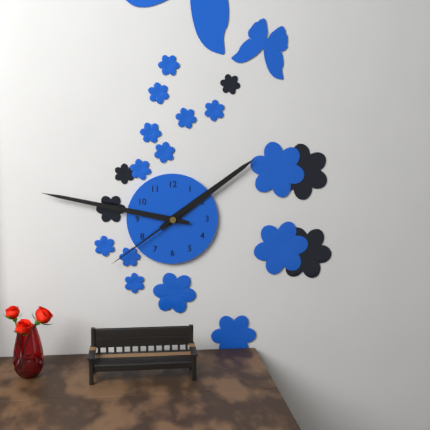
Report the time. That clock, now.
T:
1:47:39
